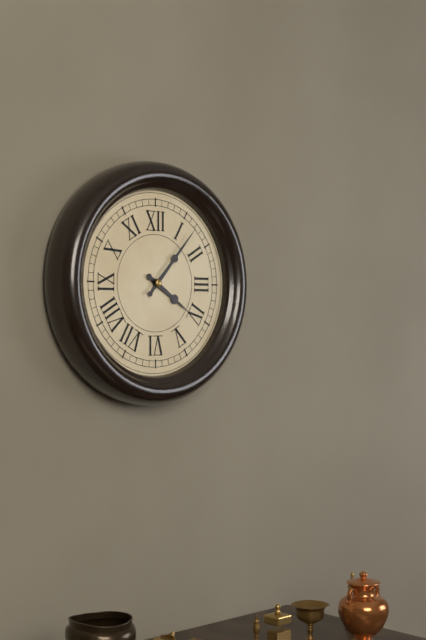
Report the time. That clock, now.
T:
4:07
